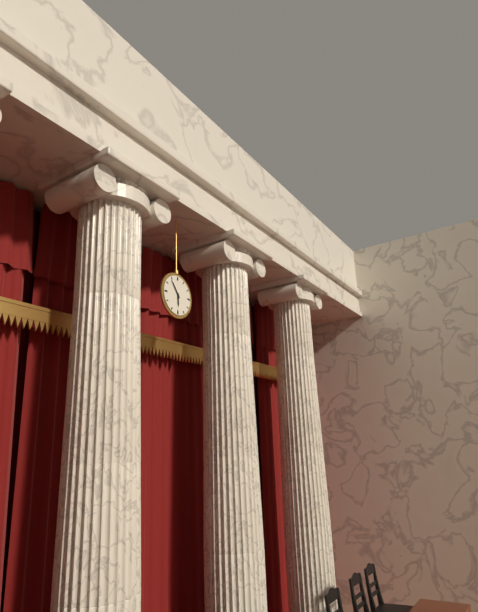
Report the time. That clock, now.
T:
5:54
